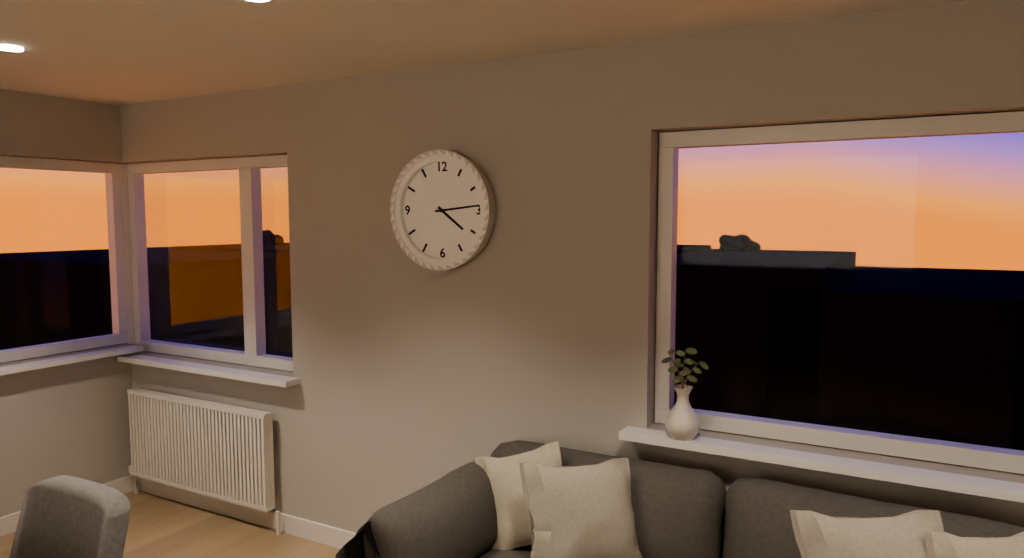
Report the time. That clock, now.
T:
4:14
